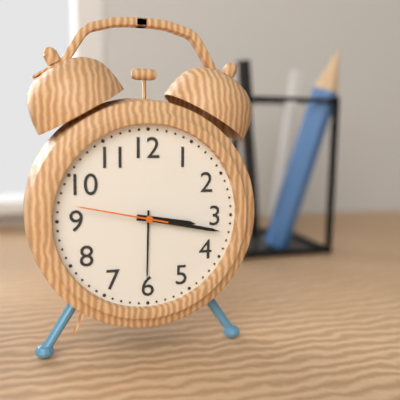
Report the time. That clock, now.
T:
3:17:47
